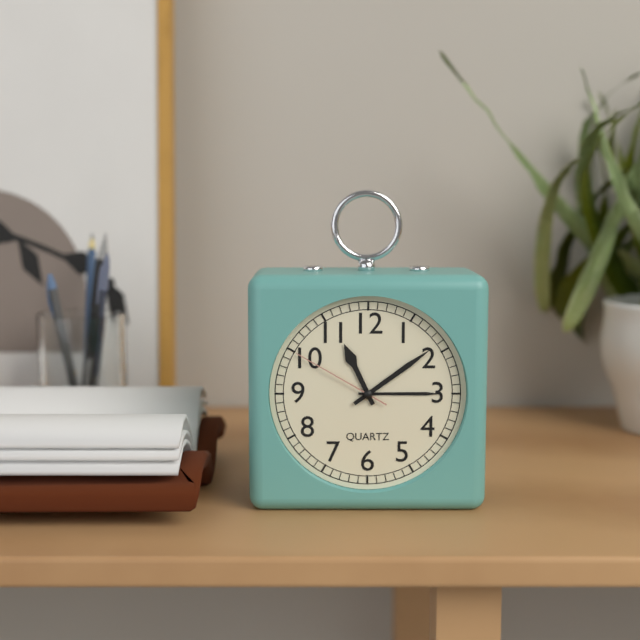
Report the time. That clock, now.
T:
11:09:50
